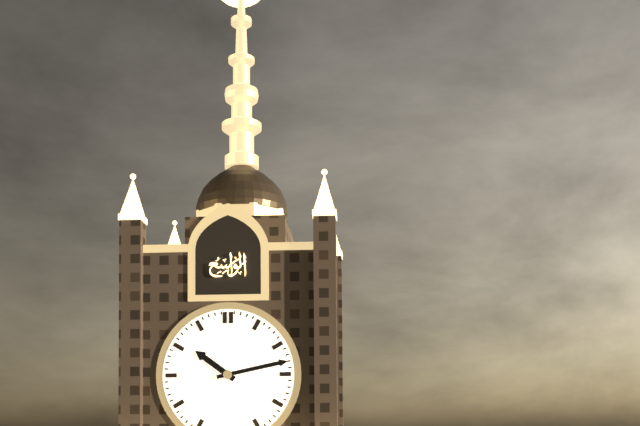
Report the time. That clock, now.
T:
10:13
